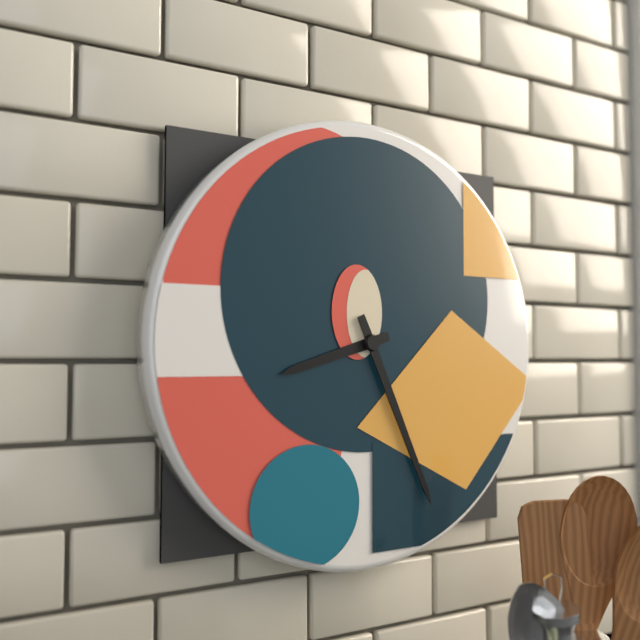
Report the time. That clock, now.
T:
8:26
